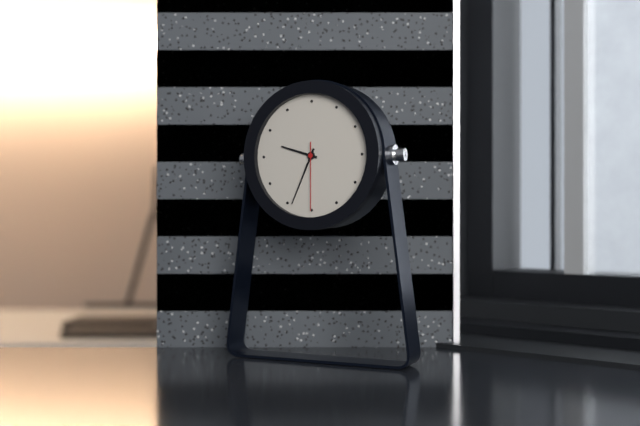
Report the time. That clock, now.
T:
9:34:30
